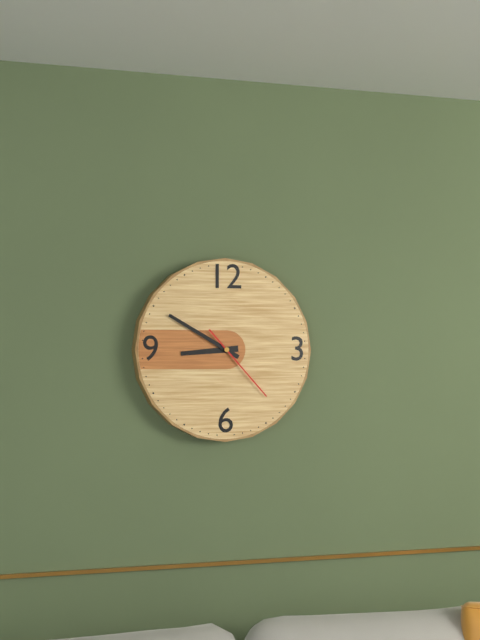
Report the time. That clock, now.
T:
8:50:23
